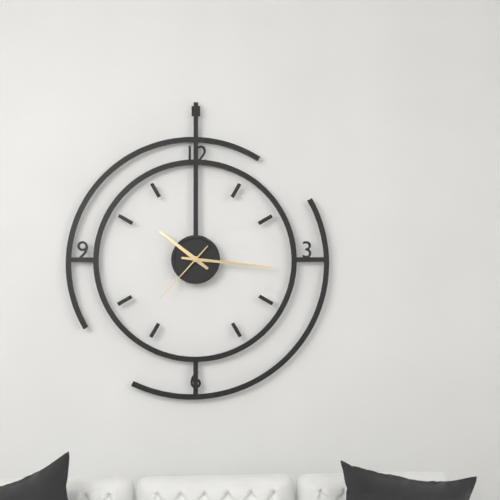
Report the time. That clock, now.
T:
10:16:37
